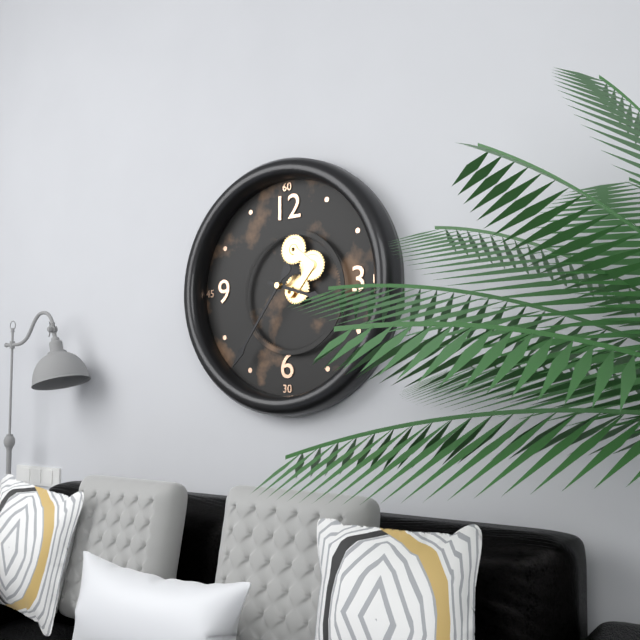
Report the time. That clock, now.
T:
3:36
